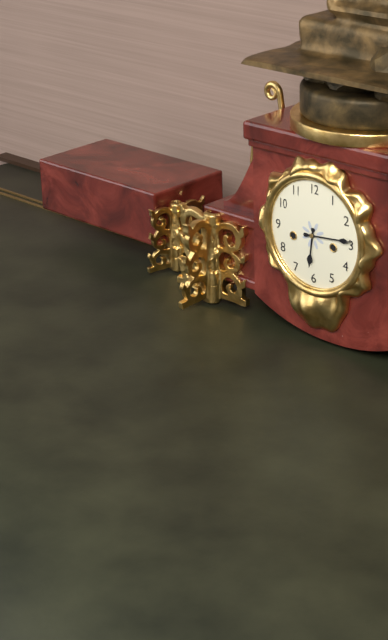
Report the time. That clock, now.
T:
6:14
